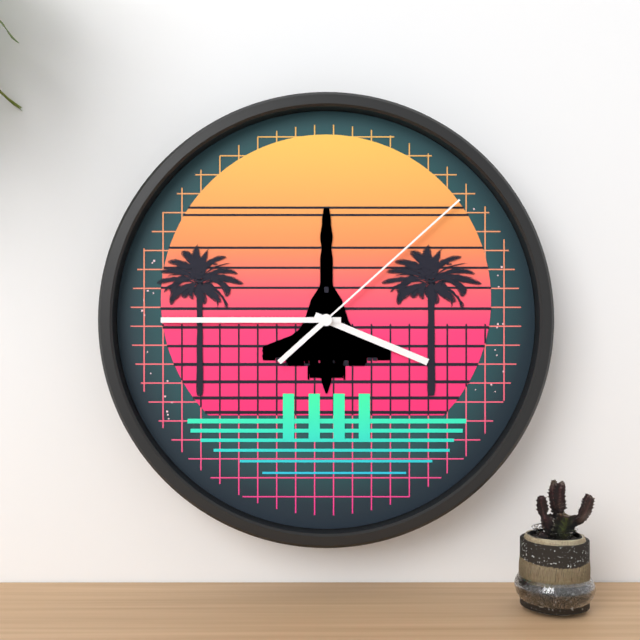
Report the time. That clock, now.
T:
3:45:08
